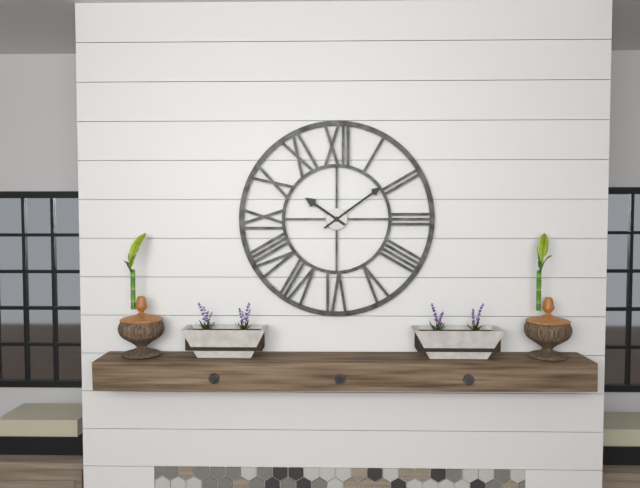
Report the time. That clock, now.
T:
10:09
